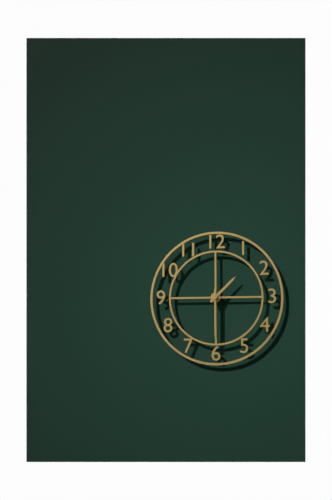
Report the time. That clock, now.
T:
1:30
